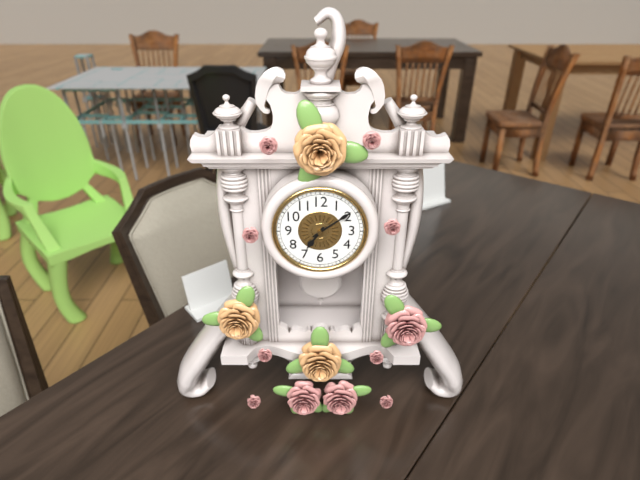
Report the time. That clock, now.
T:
7:09
